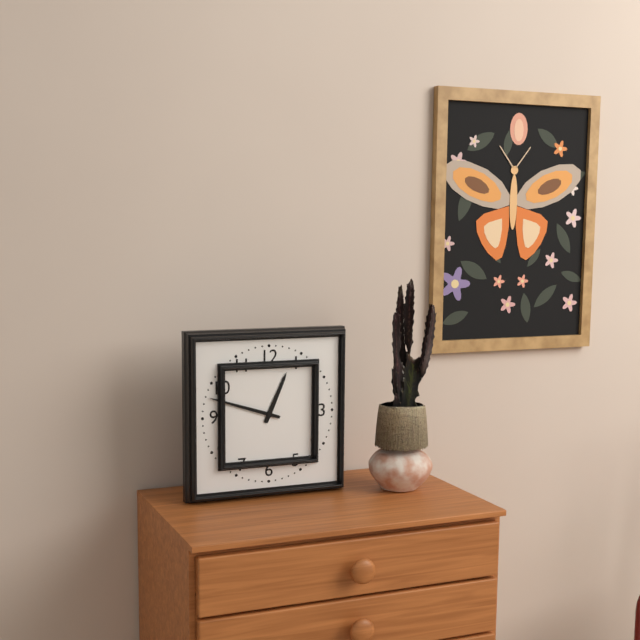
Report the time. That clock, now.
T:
12:48
